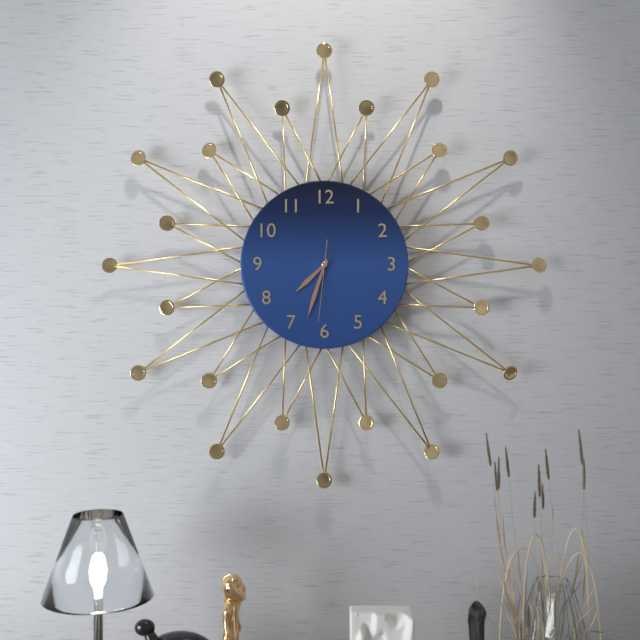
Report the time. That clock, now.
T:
7:33:31
